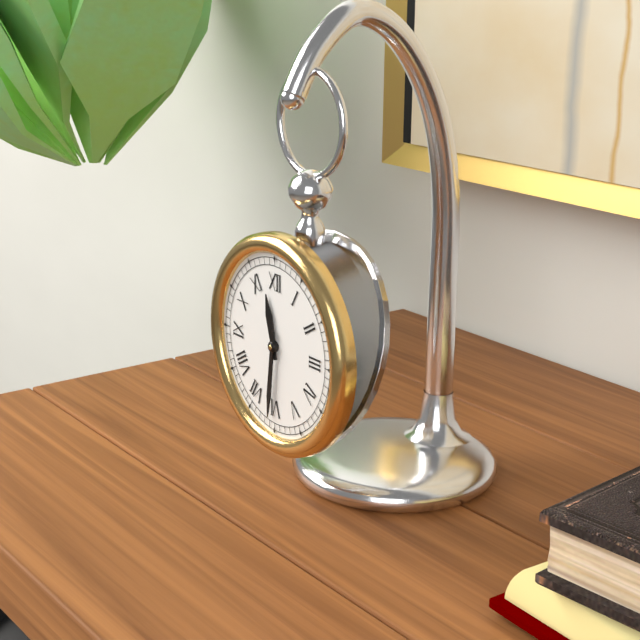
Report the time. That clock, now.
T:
11:31
